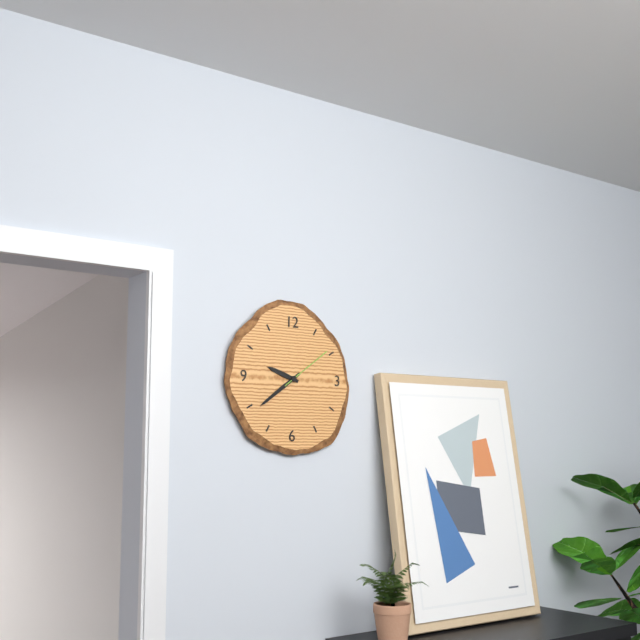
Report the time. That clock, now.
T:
9:39:09
